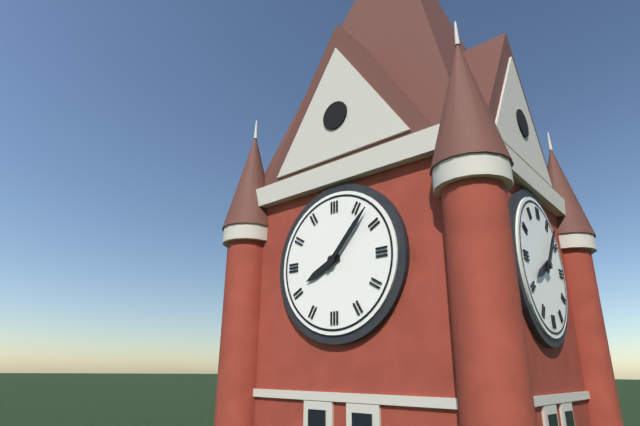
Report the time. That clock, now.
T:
8:07
